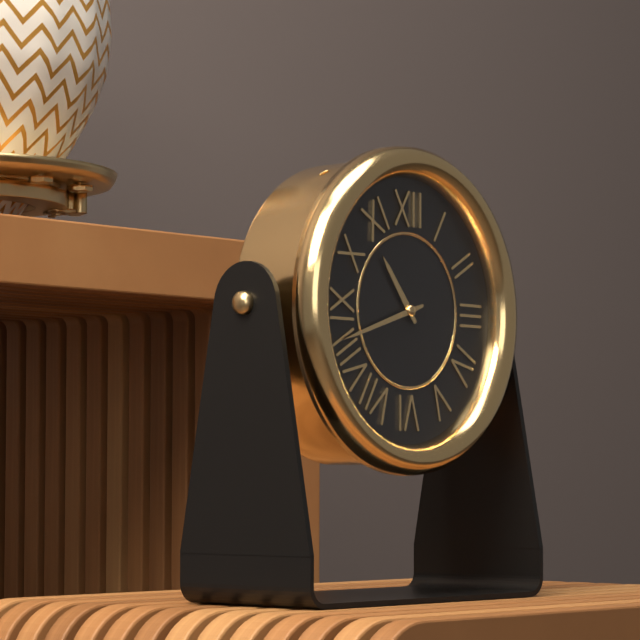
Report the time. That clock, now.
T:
10:42
